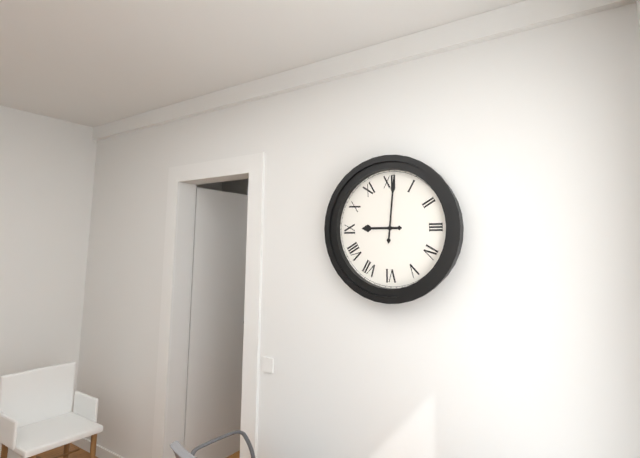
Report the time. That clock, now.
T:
9:01
